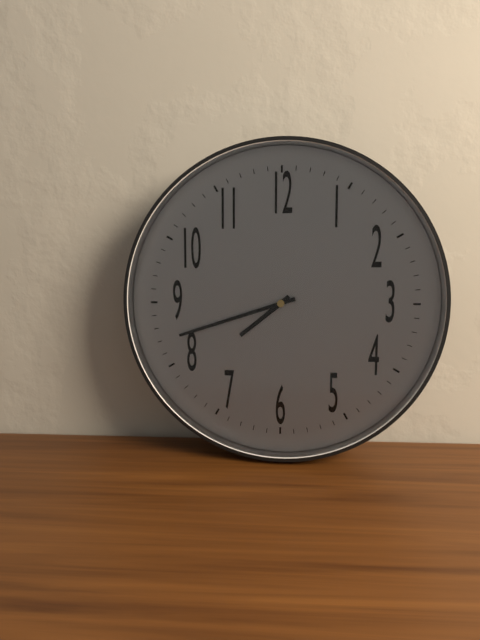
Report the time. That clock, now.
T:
7:42
